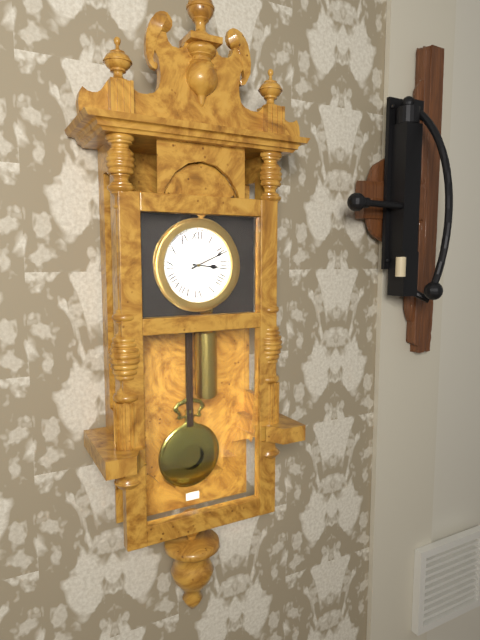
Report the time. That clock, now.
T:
3:11
